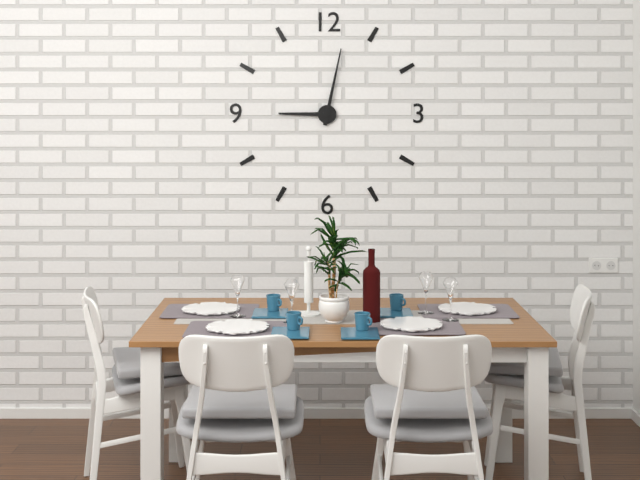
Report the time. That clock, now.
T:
9:02
